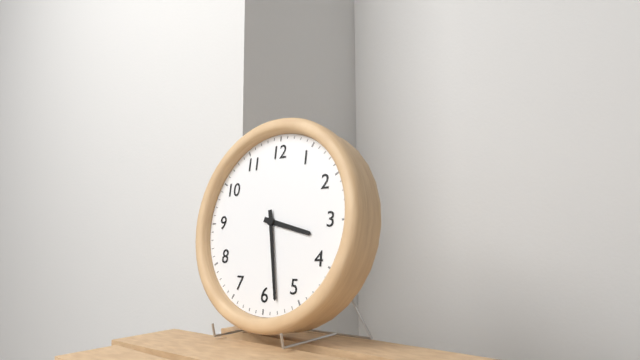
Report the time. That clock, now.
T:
3:28
